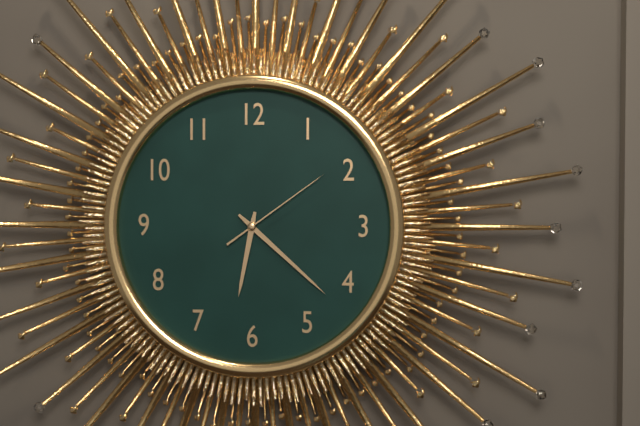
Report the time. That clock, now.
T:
6:22:09
